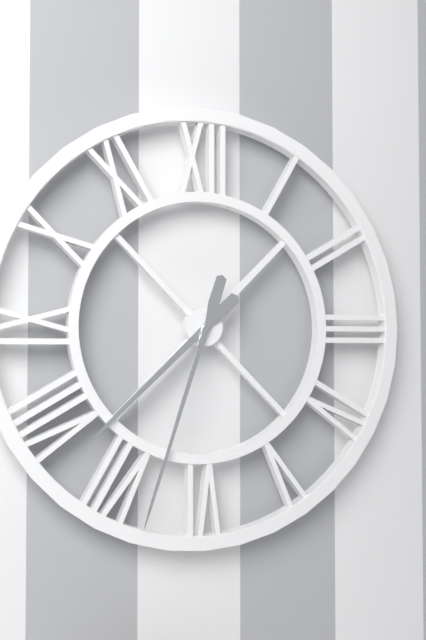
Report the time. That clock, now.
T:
7:33
